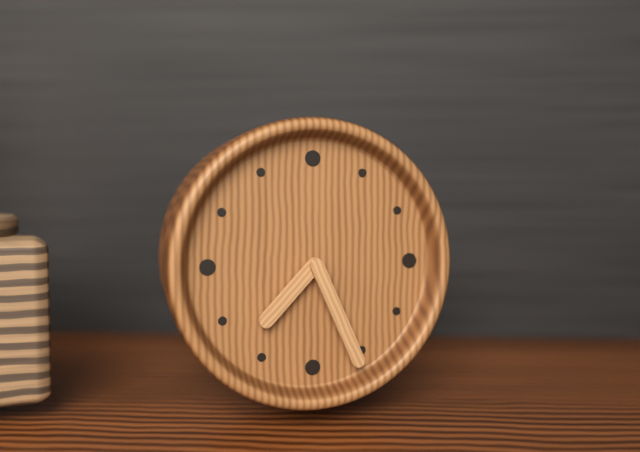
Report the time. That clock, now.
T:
7:26
